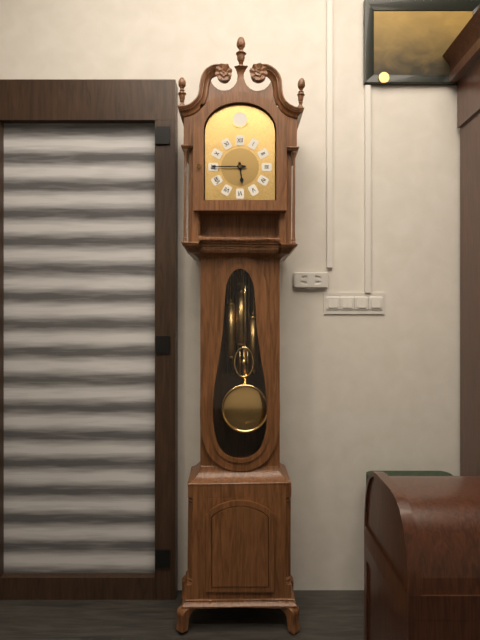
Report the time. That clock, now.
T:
5:45
